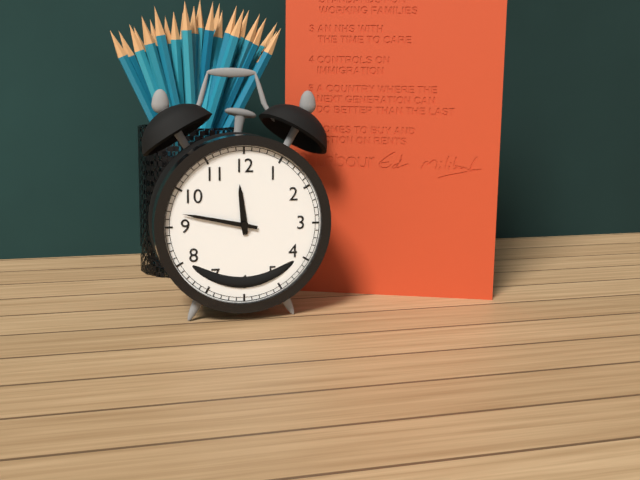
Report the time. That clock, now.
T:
11:47
